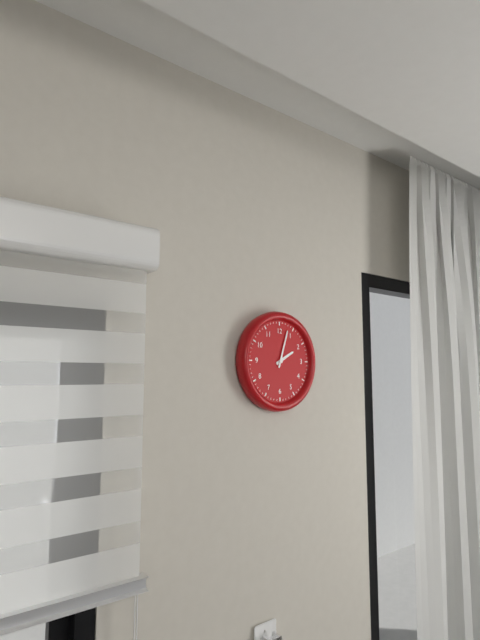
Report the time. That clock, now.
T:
2:03
